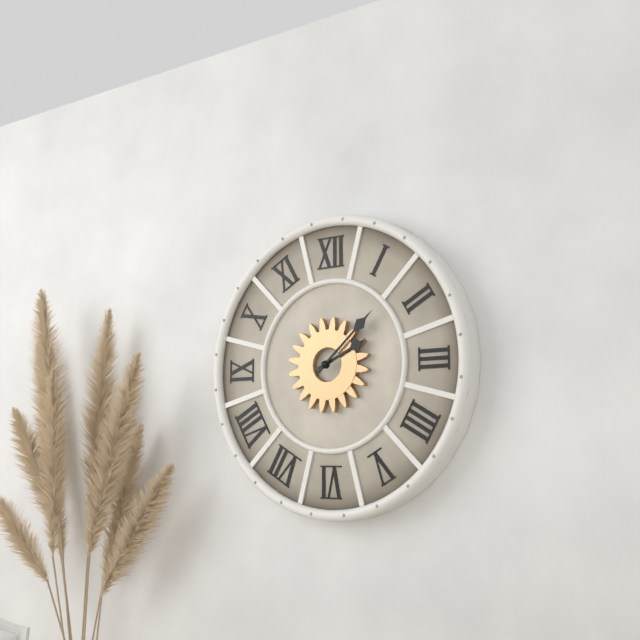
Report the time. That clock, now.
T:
2:08
